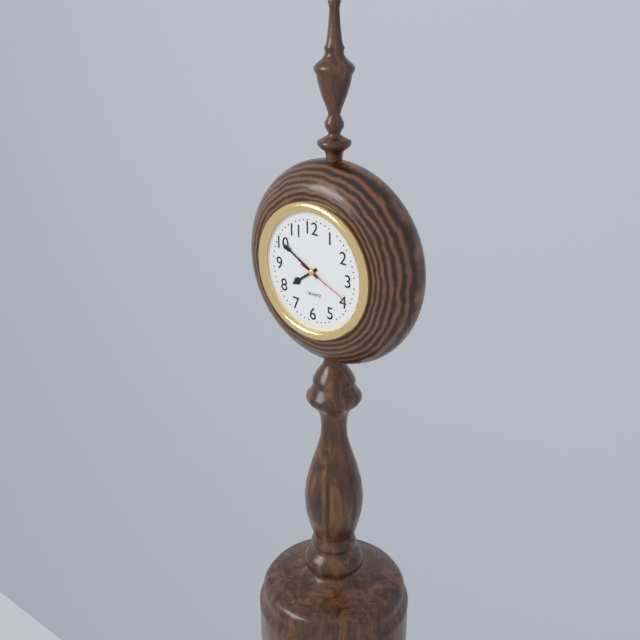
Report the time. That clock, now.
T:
7:50:19
